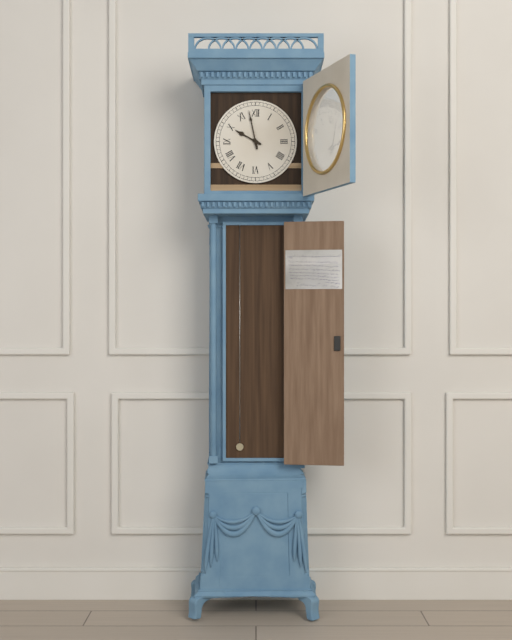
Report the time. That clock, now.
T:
9:58
